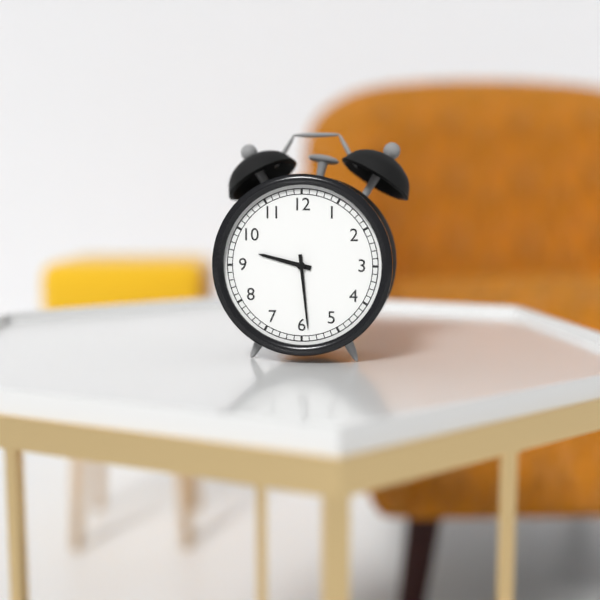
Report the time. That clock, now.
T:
9:29
